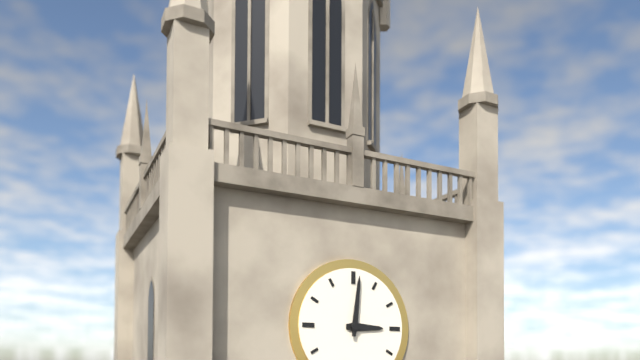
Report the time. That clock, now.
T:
3:01
